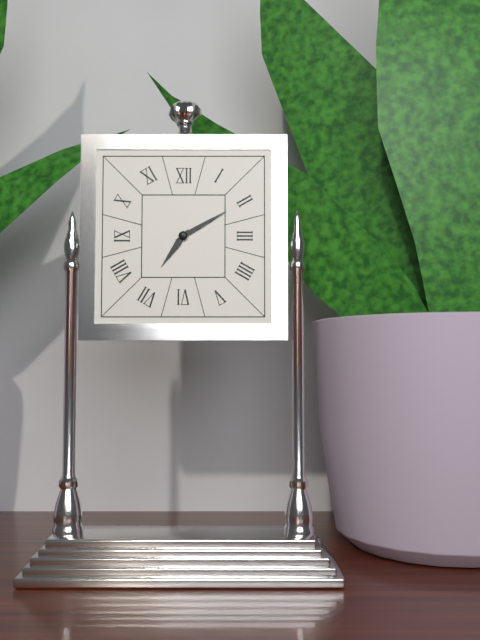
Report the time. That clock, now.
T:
7:10
